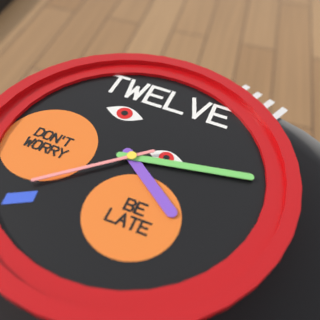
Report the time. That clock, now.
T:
4:13:38
